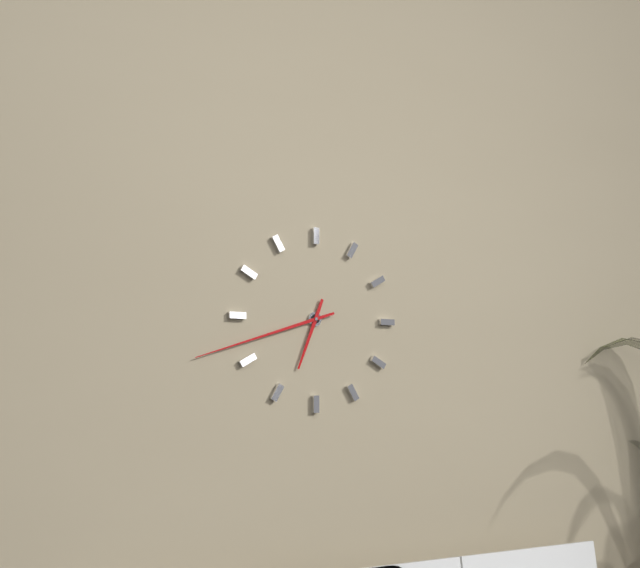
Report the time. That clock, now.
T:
6:42
